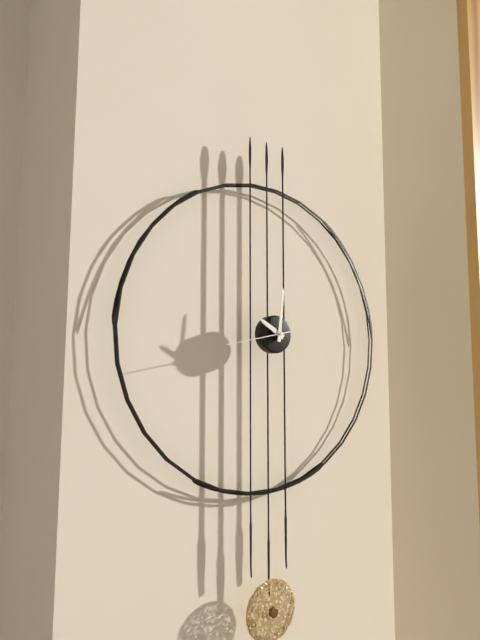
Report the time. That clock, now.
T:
10:01:43
